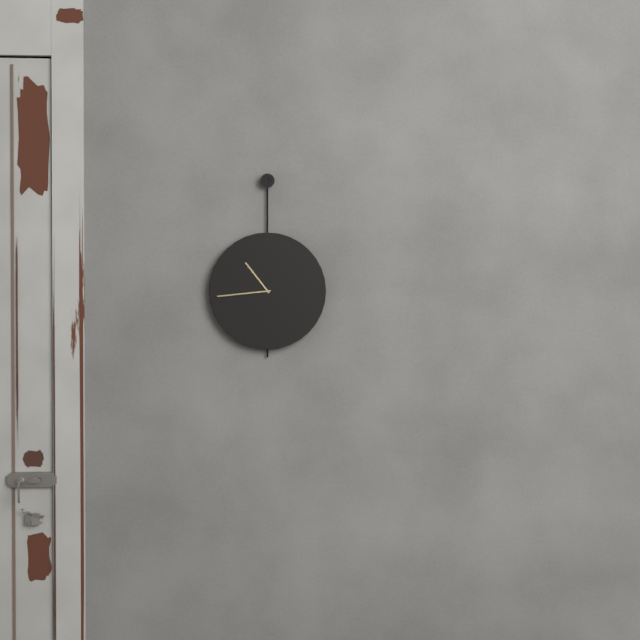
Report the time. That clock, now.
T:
10:44
